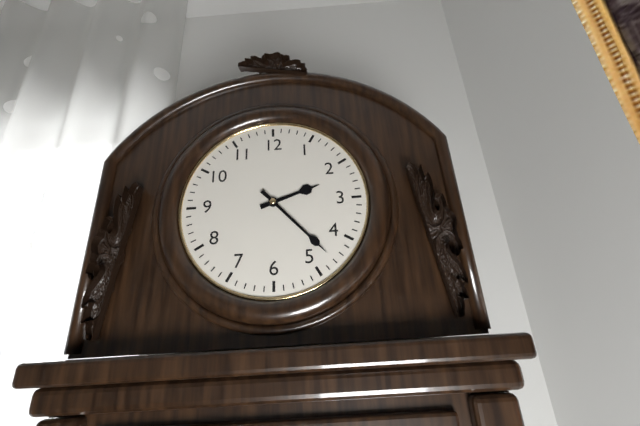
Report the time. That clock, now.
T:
2:23
